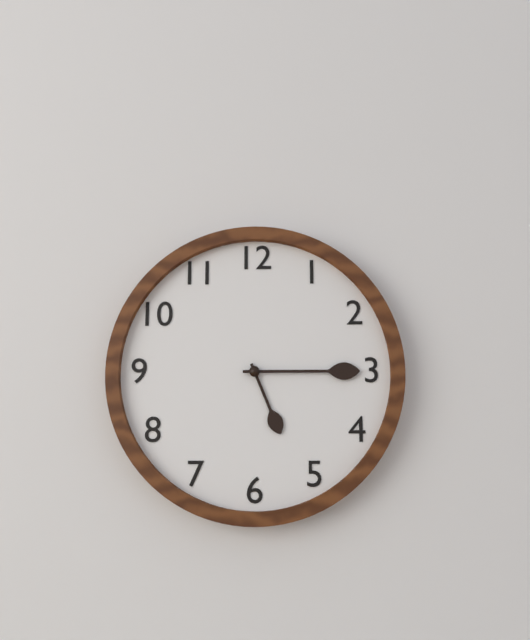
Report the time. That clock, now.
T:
5:15
